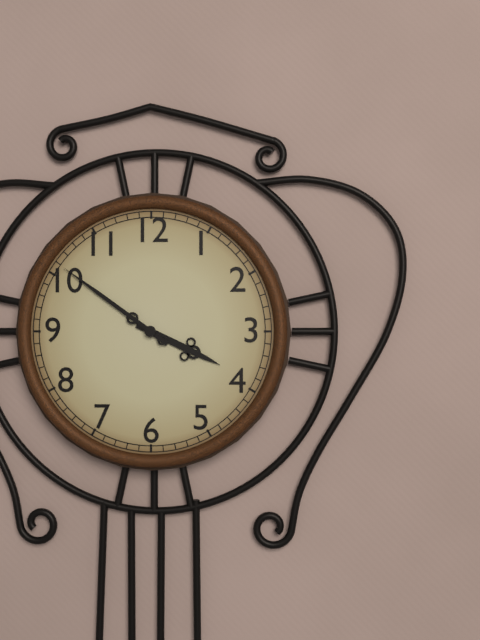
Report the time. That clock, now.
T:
3:51
